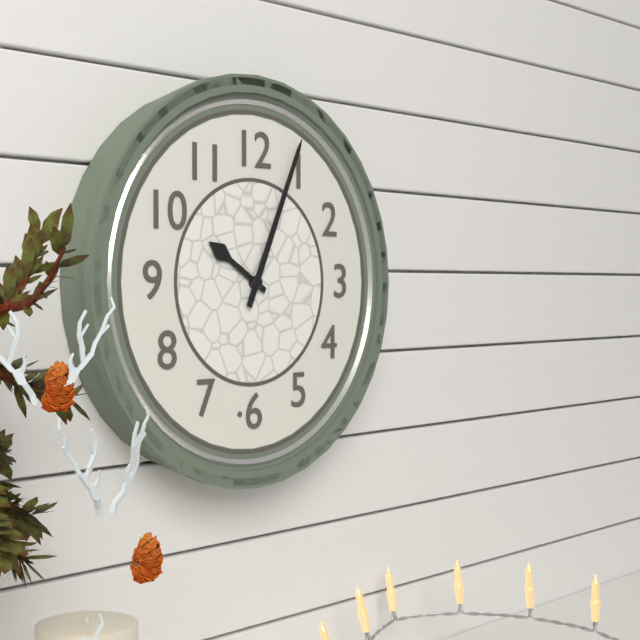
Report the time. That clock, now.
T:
10:04
